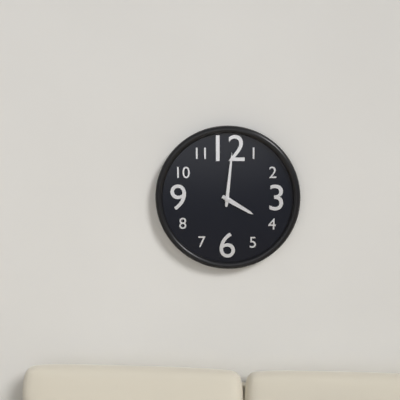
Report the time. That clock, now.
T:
4:01
